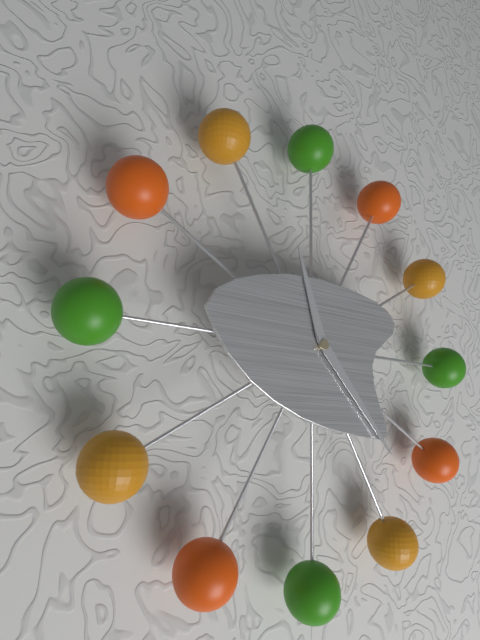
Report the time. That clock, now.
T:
11:23
